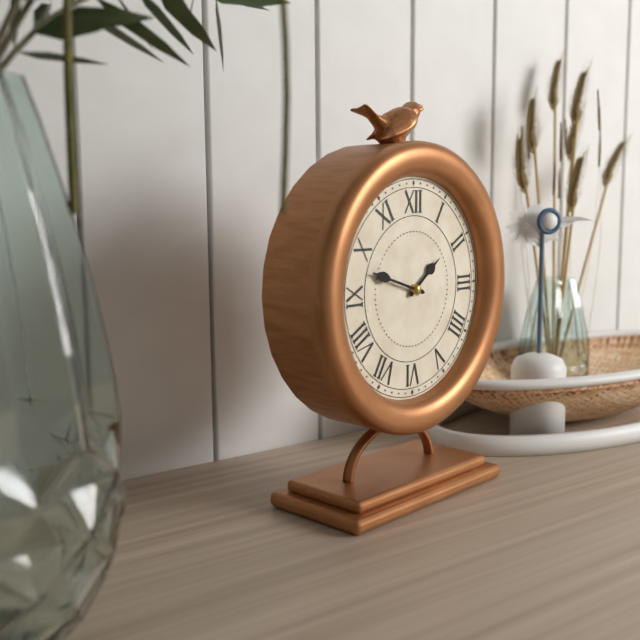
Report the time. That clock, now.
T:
1:48
